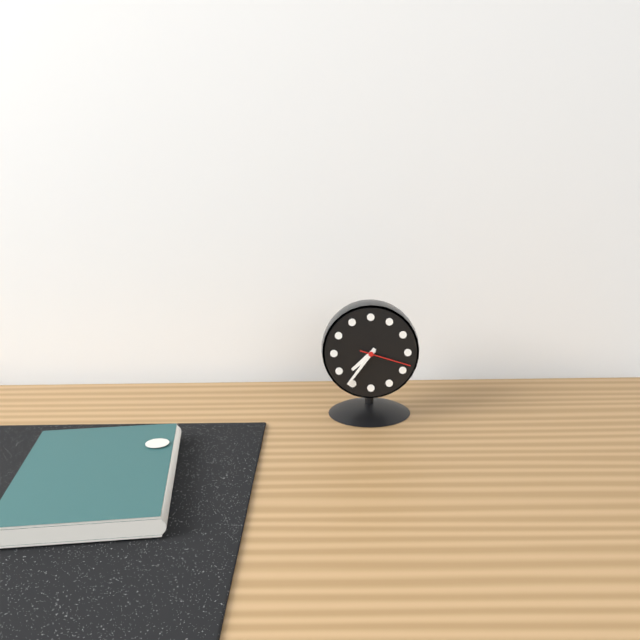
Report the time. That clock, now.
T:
7:36:18
